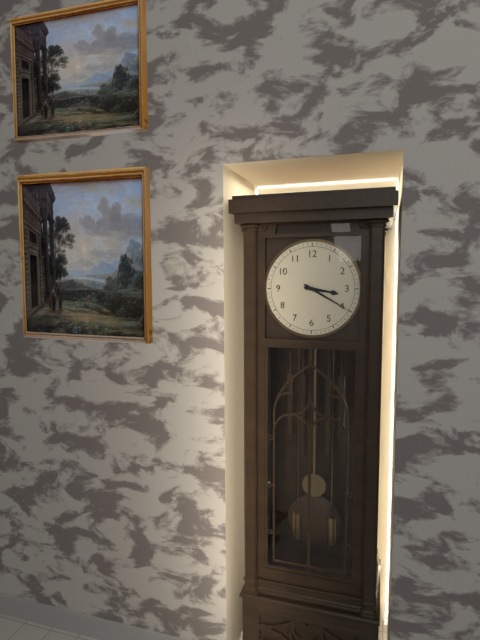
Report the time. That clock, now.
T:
3:20
